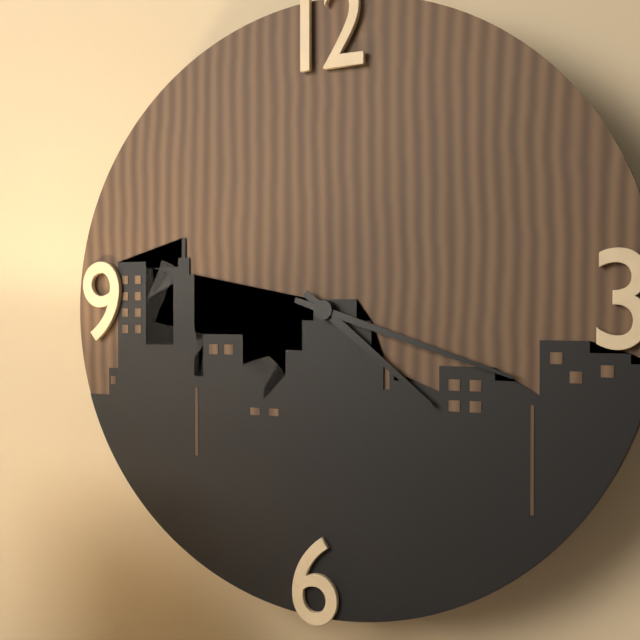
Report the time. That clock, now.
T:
4:18
